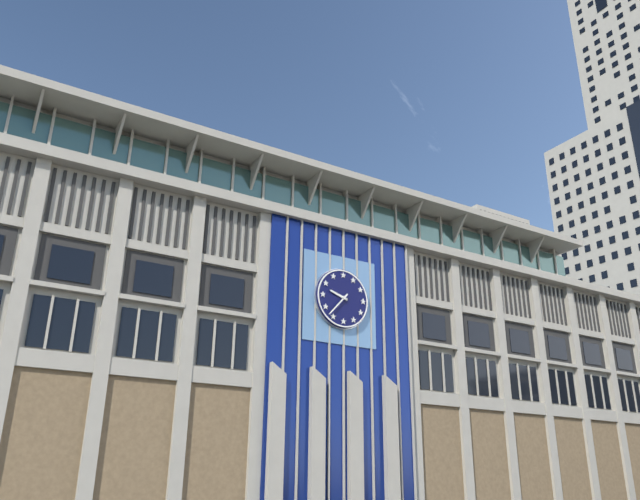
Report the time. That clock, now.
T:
9:37
